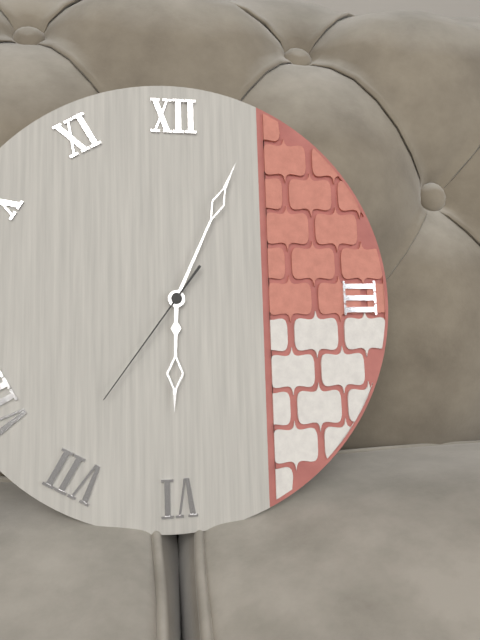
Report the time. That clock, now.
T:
6:04:36
